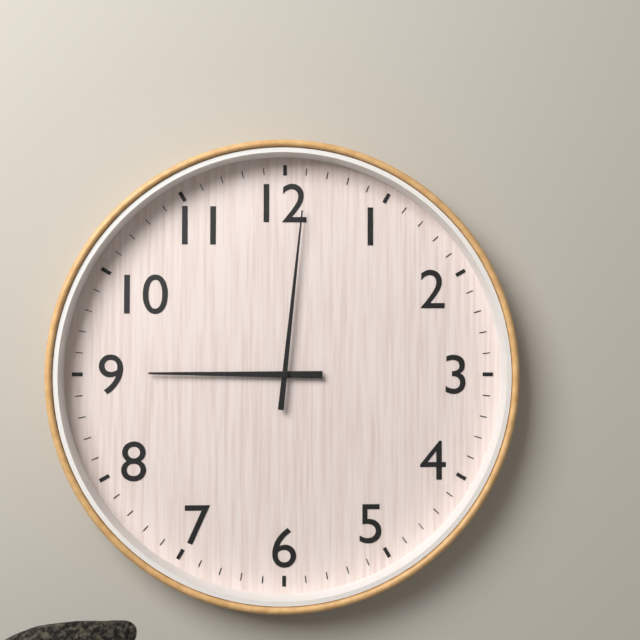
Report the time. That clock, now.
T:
9:01
